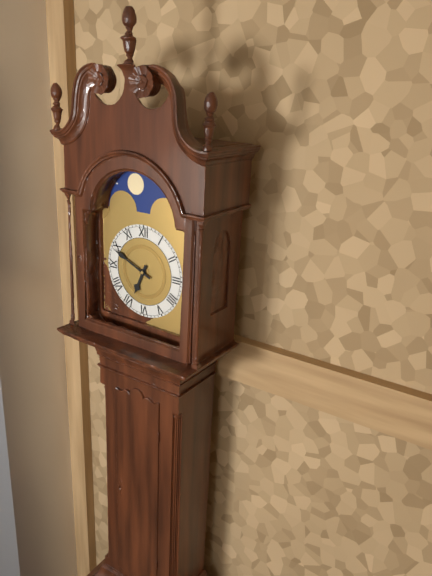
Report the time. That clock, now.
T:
6:49
